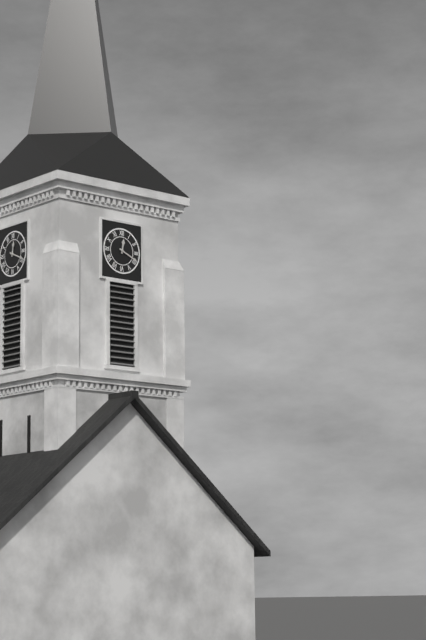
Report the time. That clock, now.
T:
12:19
